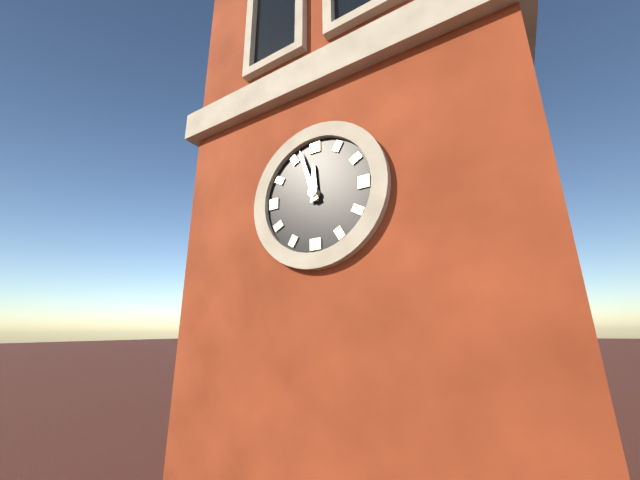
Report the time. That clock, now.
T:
11:57
